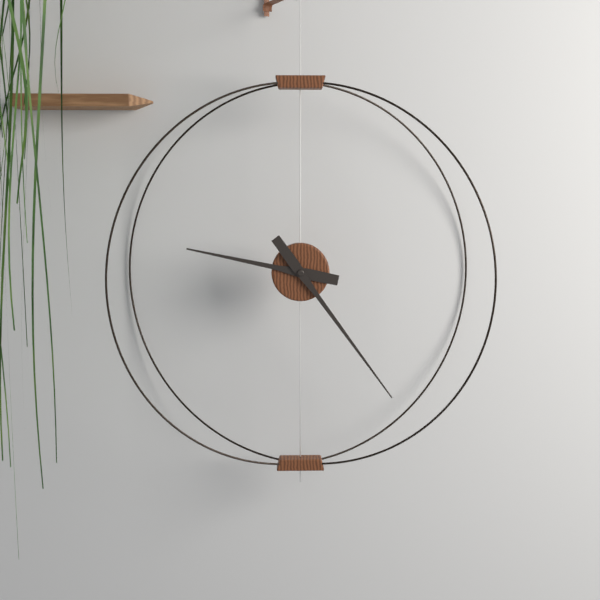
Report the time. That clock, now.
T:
9:24
